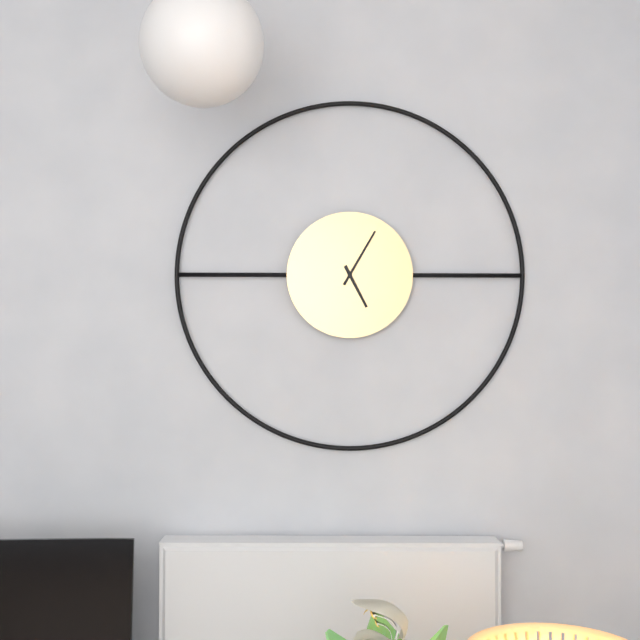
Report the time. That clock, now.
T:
5:05
